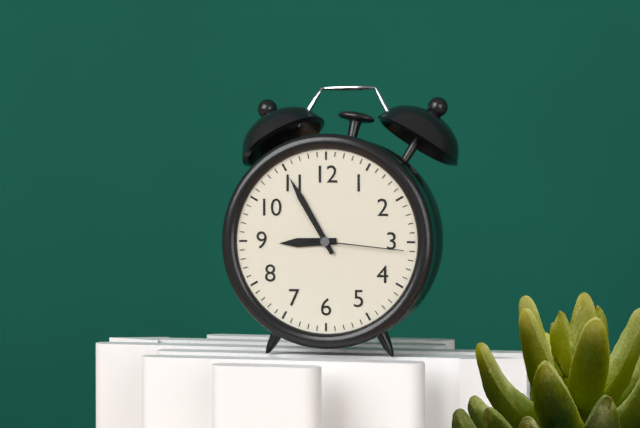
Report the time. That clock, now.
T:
8:55:16
